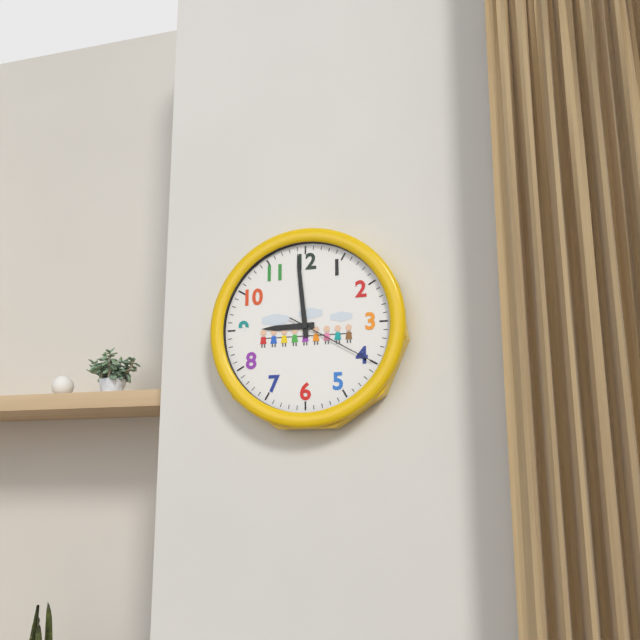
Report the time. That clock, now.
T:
8:59:20
